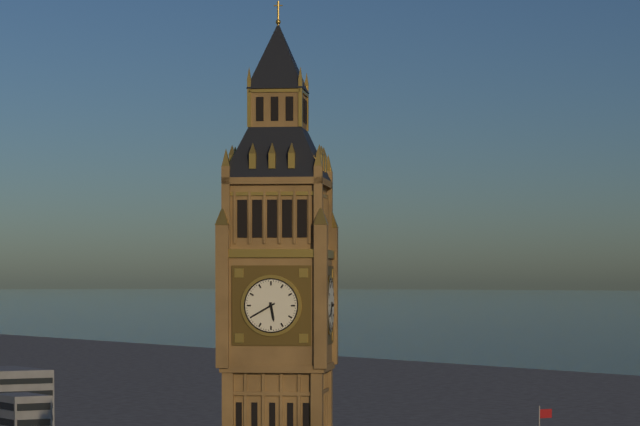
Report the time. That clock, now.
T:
5:40
